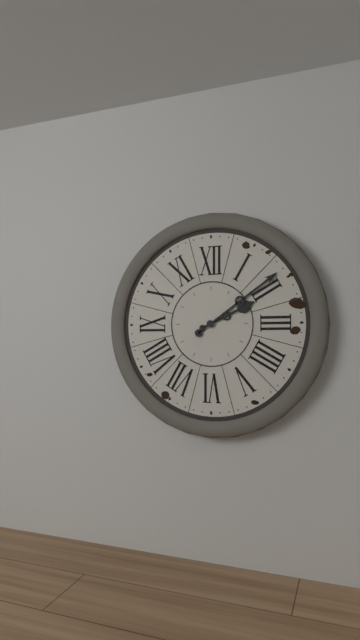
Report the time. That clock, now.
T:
2:09
